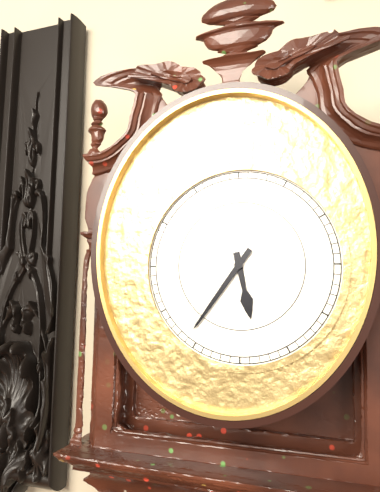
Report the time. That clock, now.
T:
5:36
